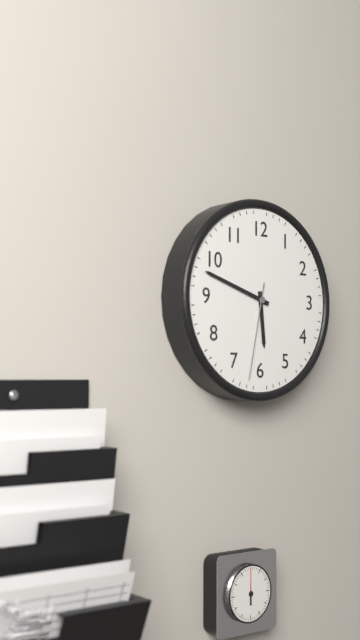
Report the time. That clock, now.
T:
5:48:32
